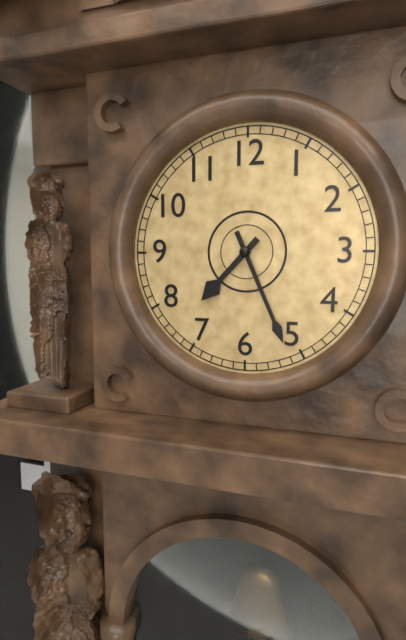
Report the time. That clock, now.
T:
7:26
